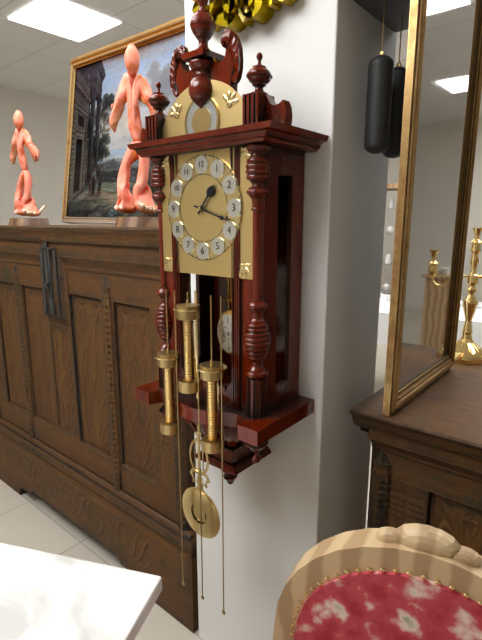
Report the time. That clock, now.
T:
1:18
